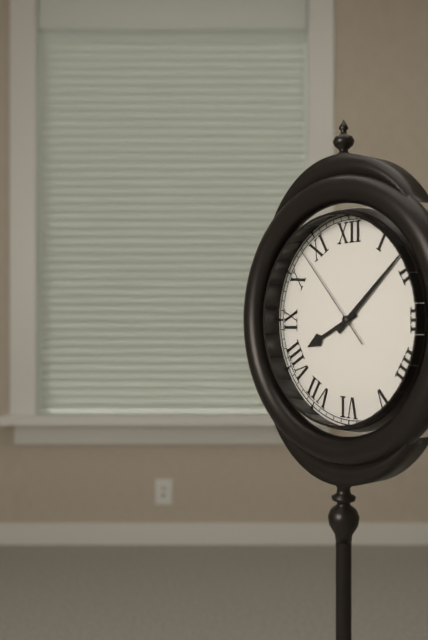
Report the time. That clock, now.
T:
8:08:53
